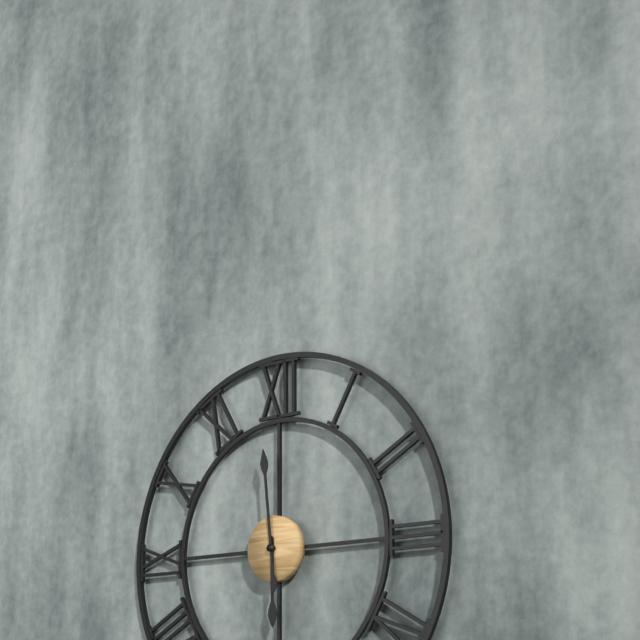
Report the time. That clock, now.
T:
5:59
